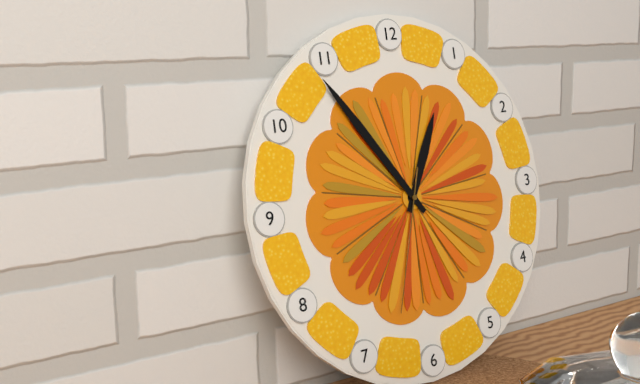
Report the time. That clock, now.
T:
12:54:33
